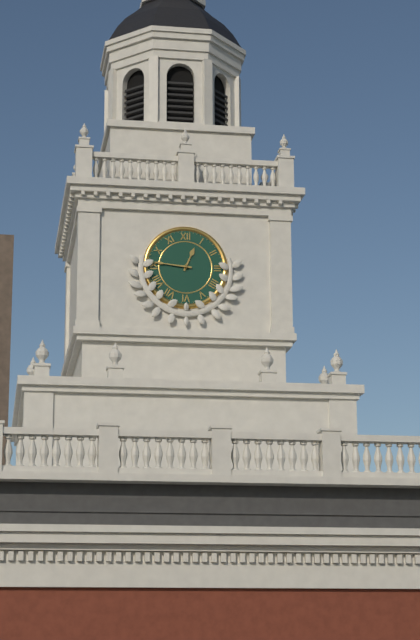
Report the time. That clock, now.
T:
12:46
